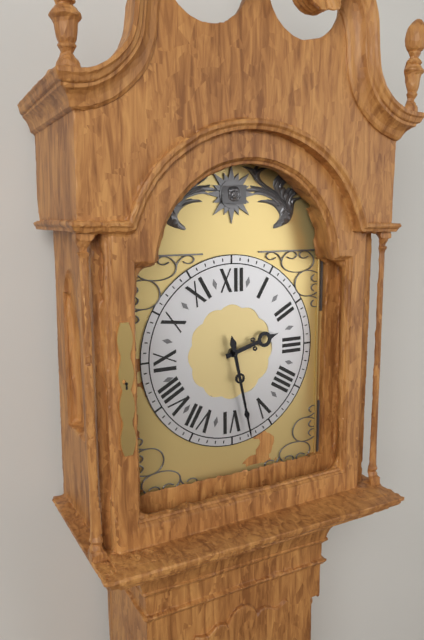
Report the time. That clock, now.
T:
2:28
